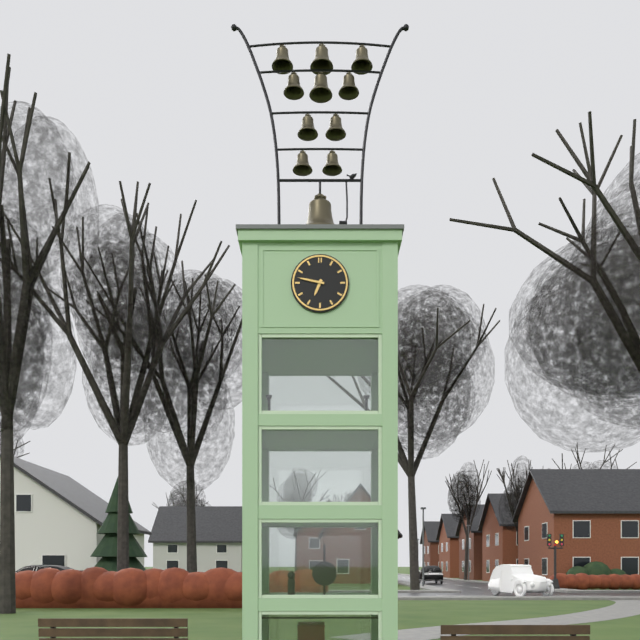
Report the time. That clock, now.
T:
6:47
